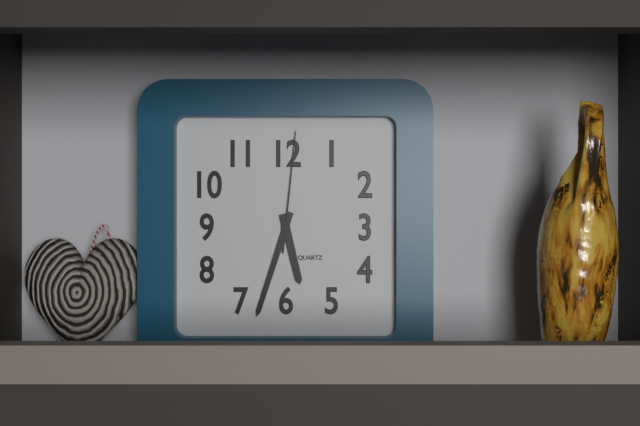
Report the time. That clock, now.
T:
5:33:01
